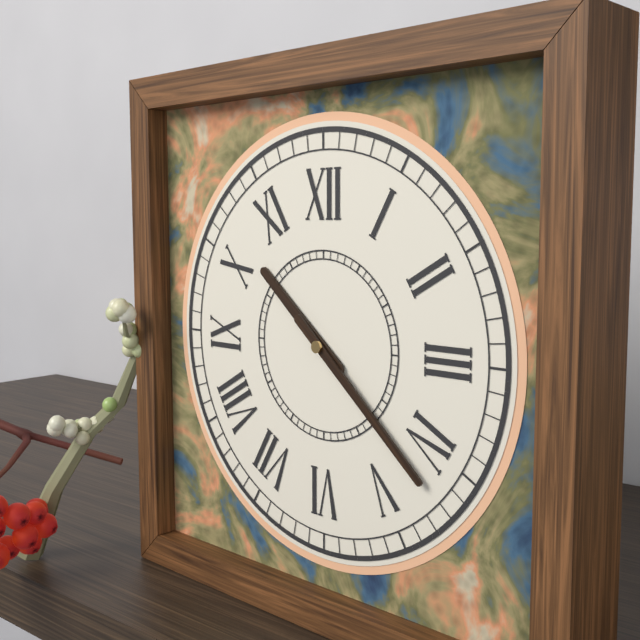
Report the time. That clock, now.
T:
10:22
